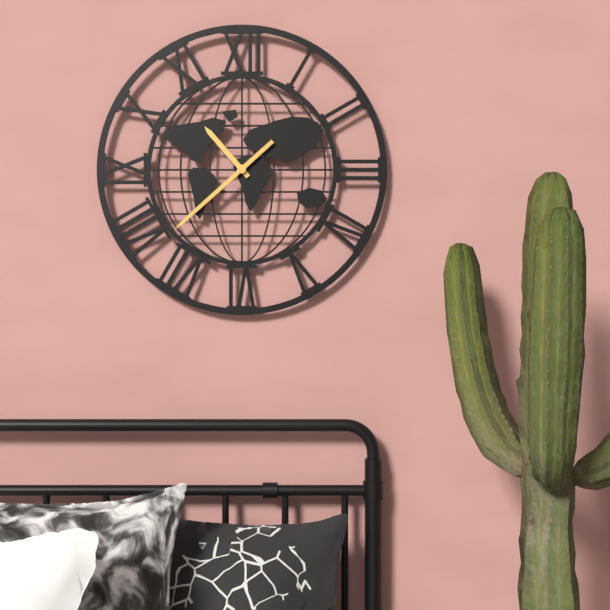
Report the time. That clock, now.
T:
10:38
